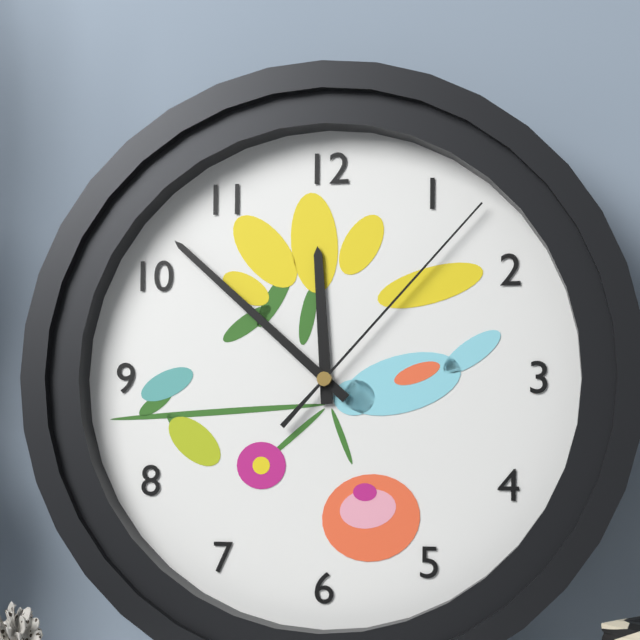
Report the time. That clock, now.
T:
11:52:07
